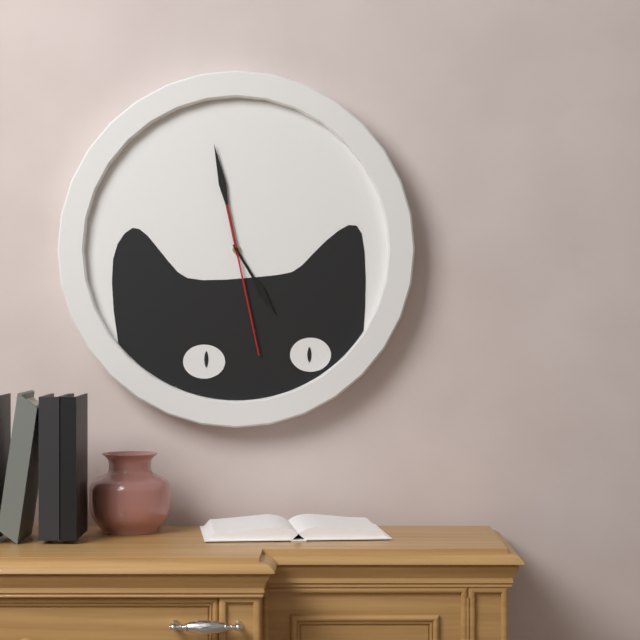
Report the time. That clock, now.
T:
4:58:28
